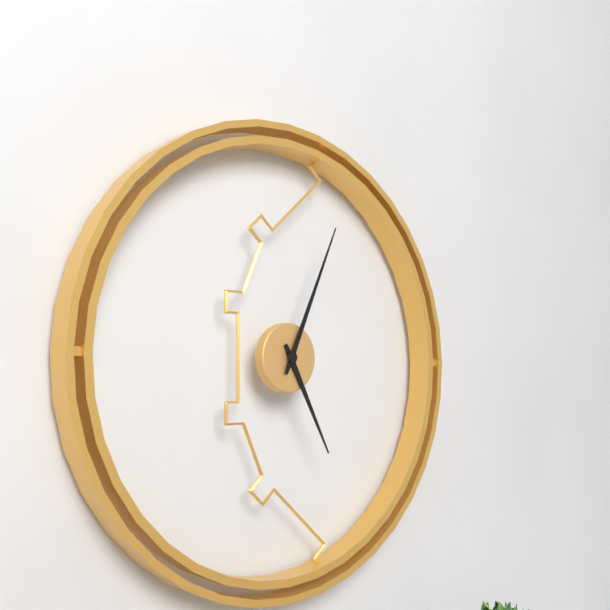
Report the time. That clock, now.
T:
5:04
